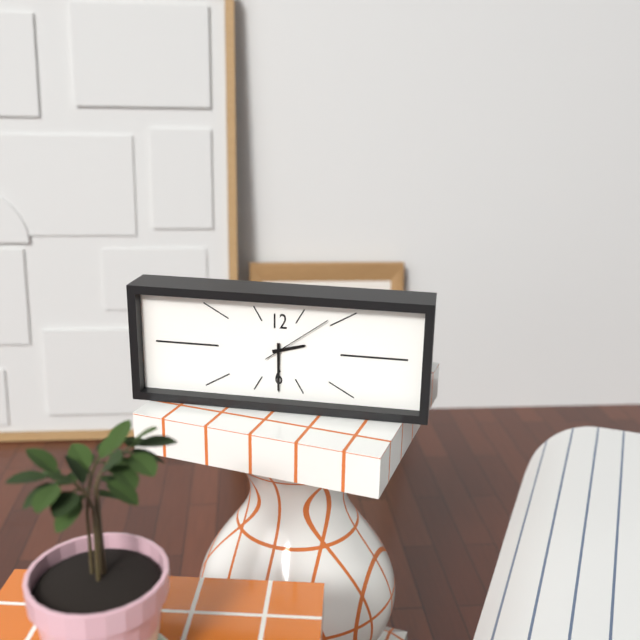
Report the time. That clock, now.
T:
2:30:09
